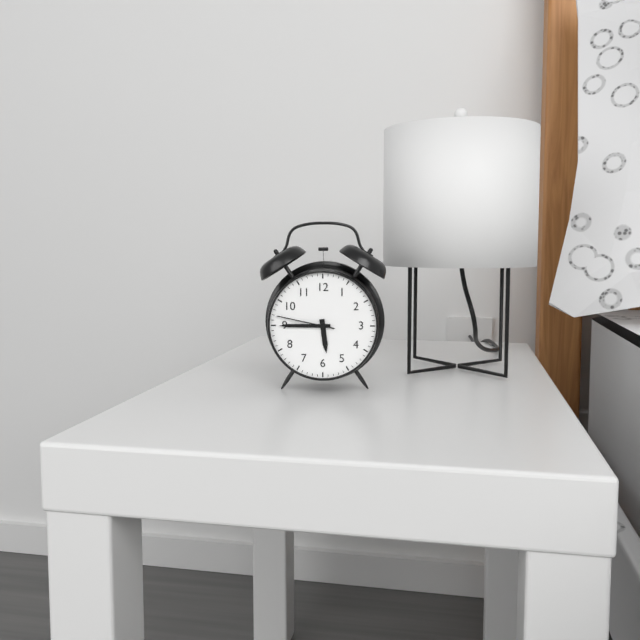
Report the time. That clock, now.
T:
5:45:47
